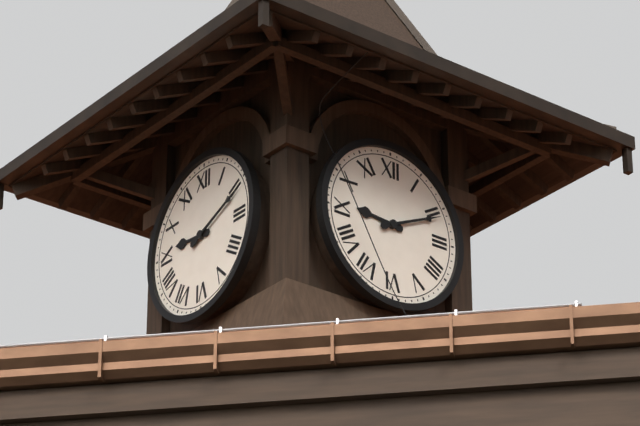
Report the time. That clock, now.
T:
9:11
